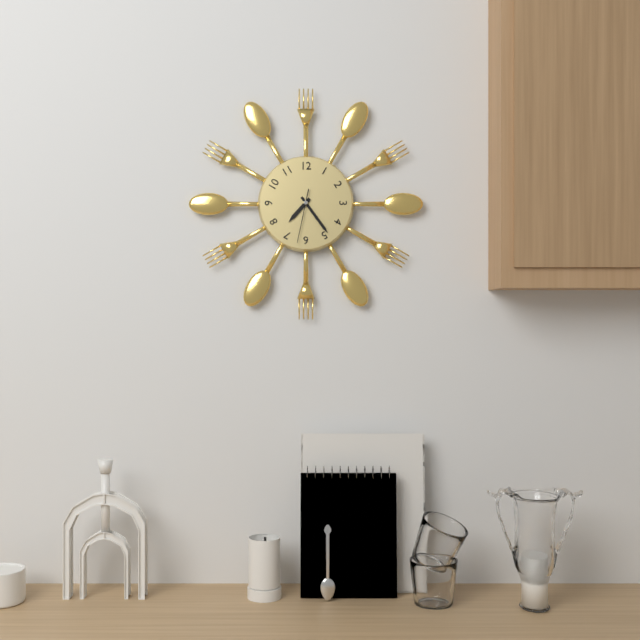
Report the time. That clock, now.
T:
7:24:32
